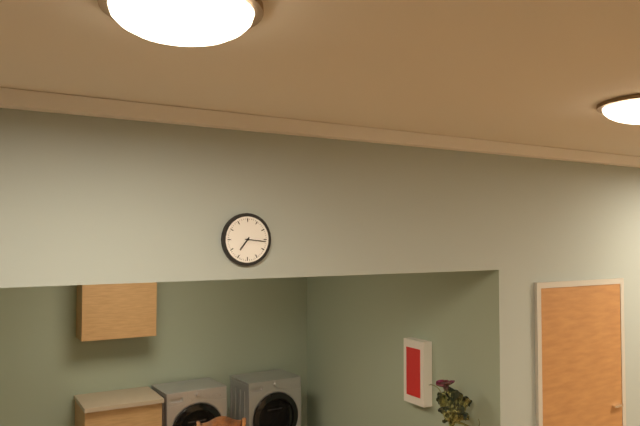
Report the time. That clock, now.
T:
7:16
